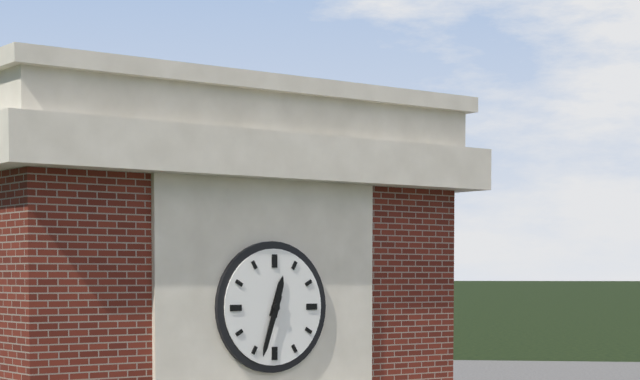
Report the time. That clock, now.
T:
12:33
